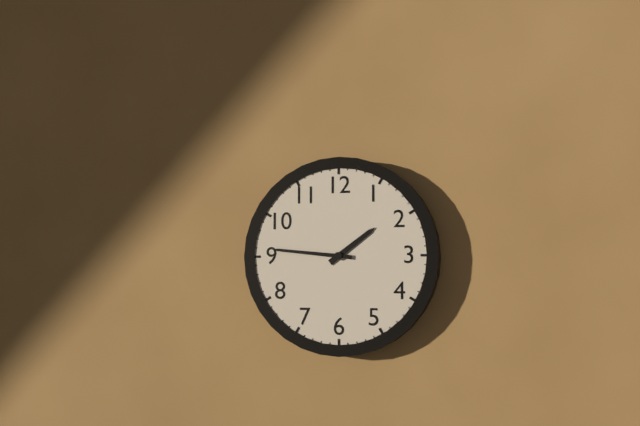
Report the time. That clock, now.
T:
1:46
